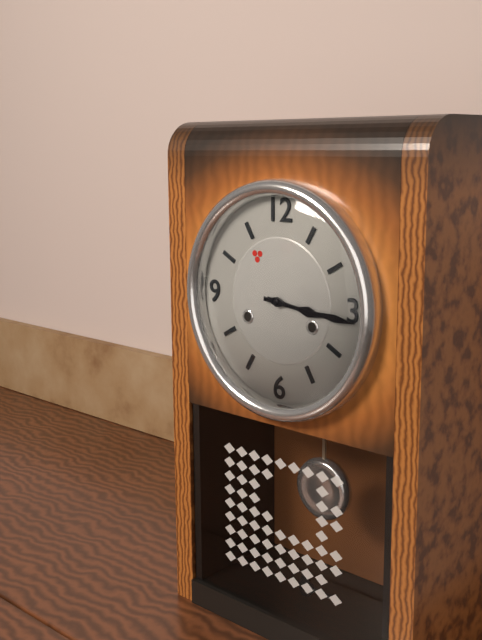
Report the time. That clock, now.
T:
3:16
